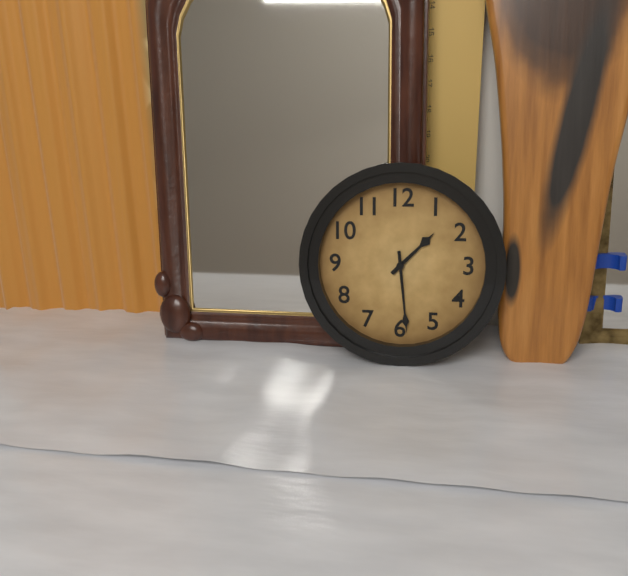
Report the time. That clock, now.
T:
1:29
